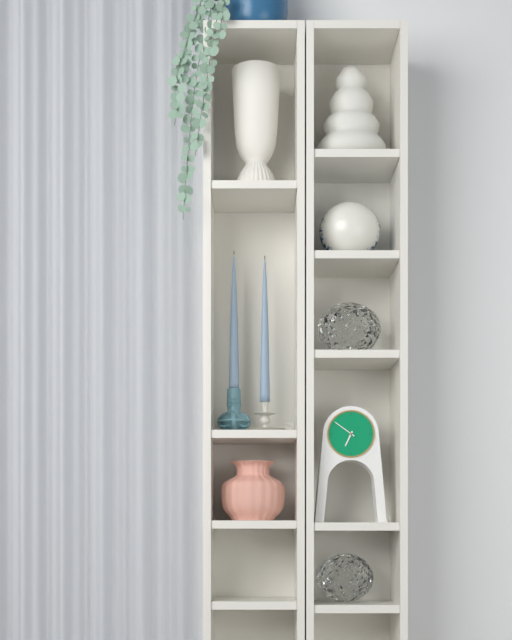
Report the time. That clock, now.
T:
6:51
